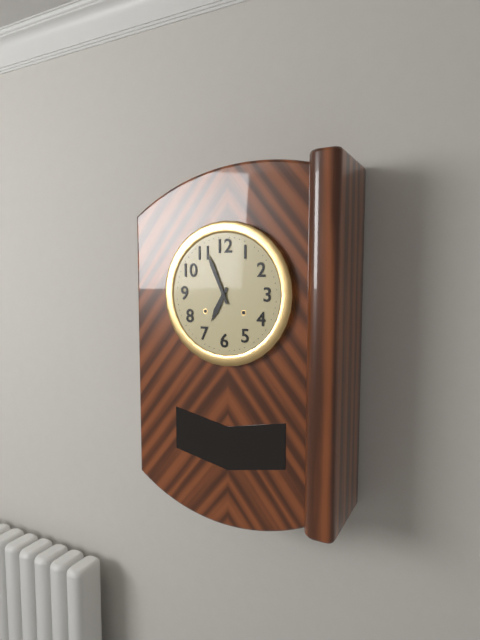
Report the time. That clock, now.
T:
6:56
